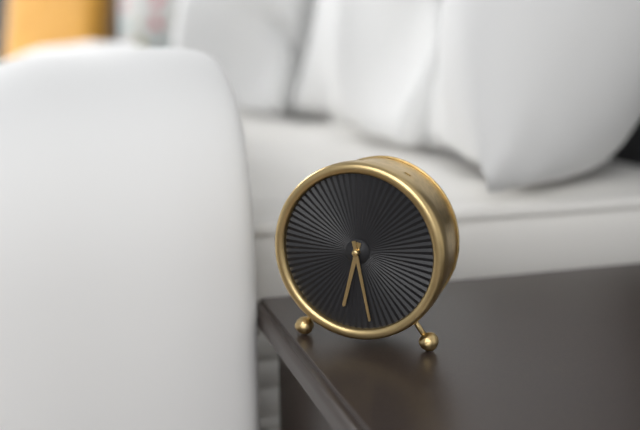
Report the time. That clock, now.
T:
6:28
